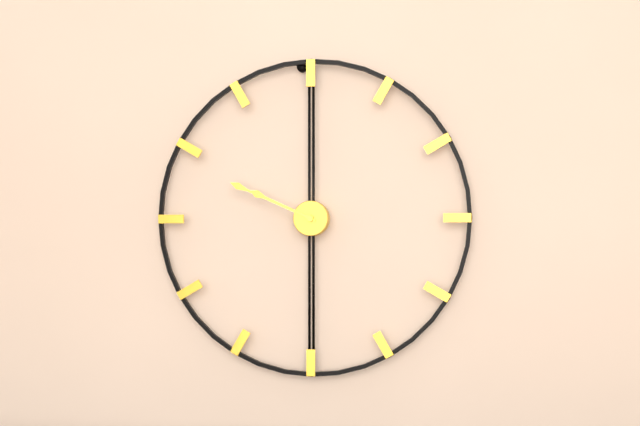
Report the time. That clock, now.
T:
9:49
